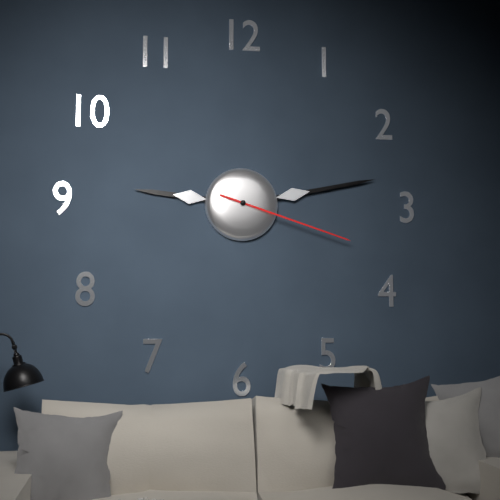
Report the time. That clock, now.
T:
9:13:18
